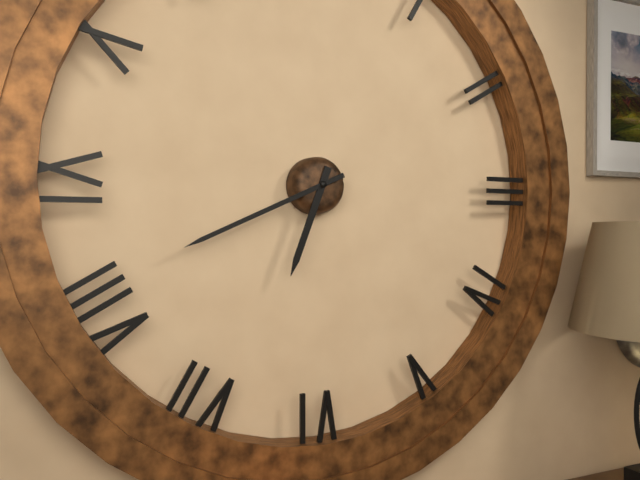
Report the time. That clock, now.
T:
6:41
